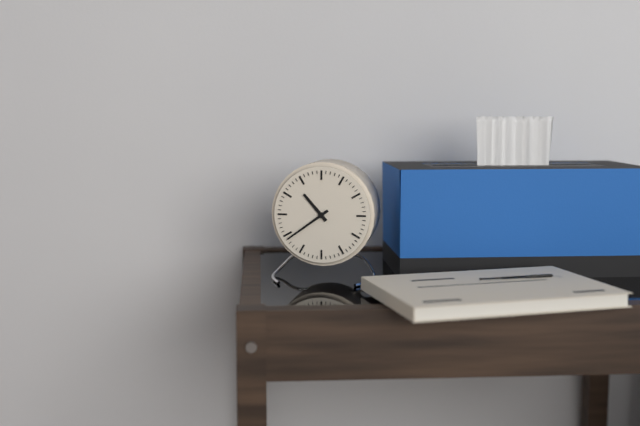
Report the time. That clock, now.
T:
10:39
